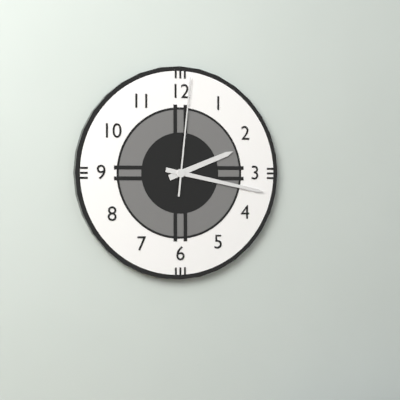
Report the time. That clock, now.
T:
2:17:01
